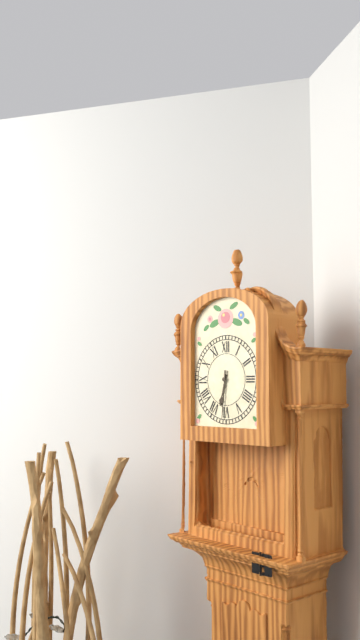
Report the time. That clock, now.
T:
6:31
